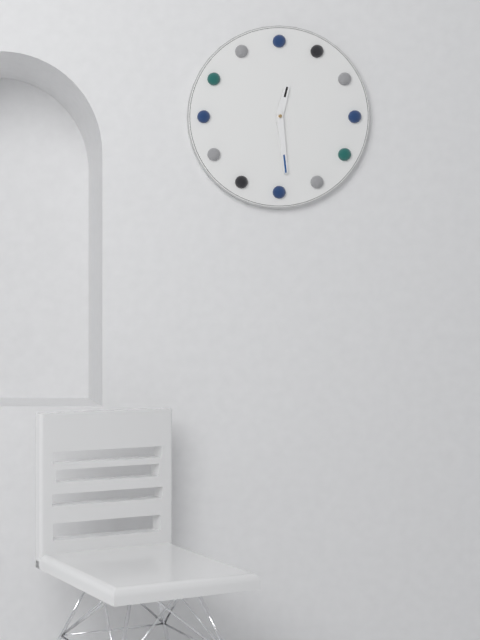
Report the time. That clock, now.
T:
12:29
